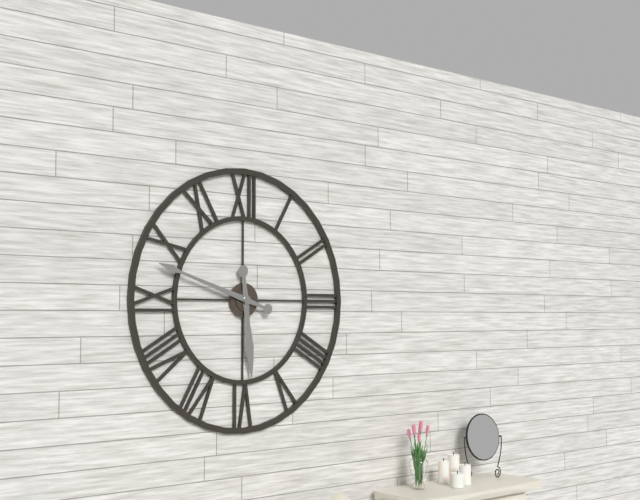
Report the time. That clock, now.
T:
5:48
